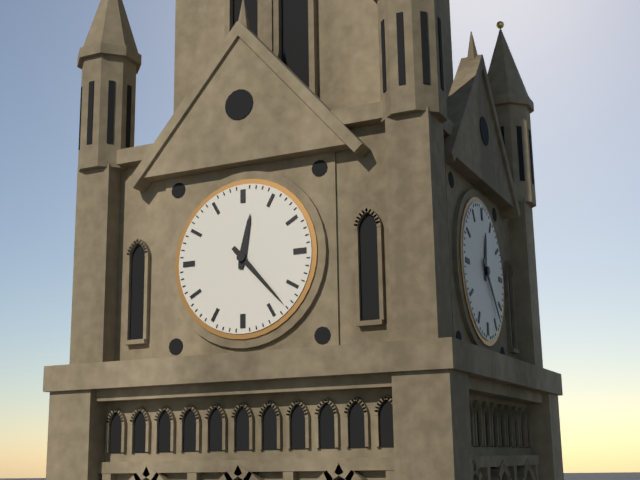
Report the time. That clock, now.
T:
12:23
